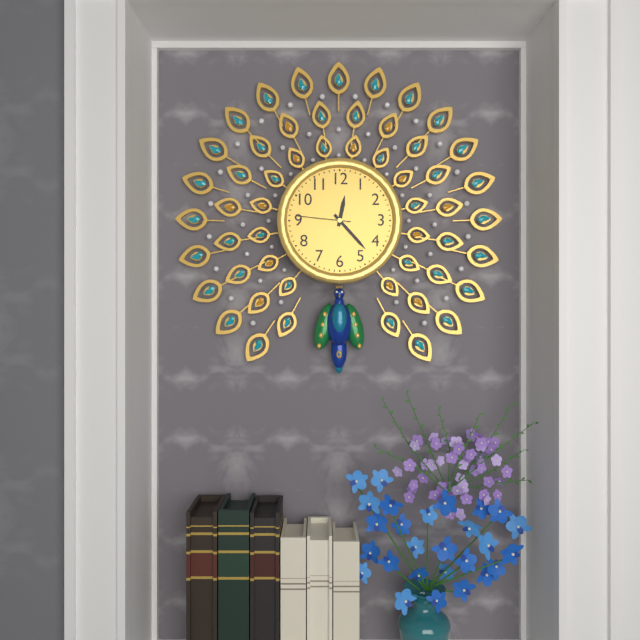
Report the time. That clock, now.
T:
12:23:46
